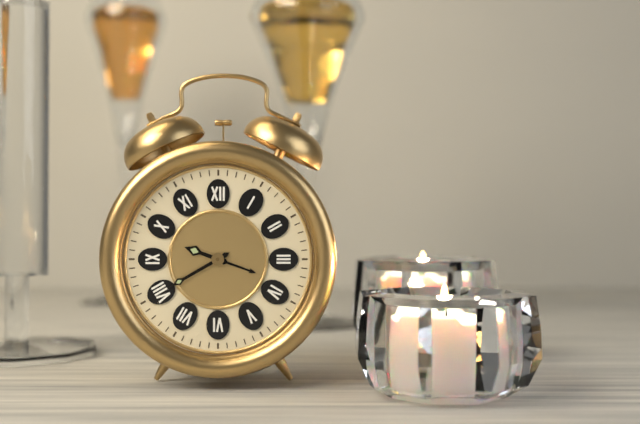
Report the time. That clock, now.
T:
9:40
